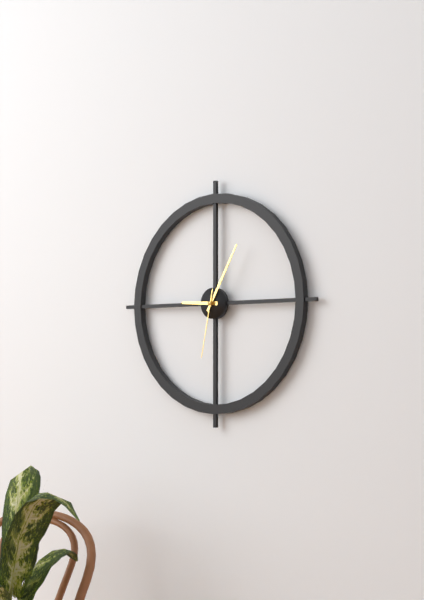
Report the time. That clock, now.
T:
9:05:32
